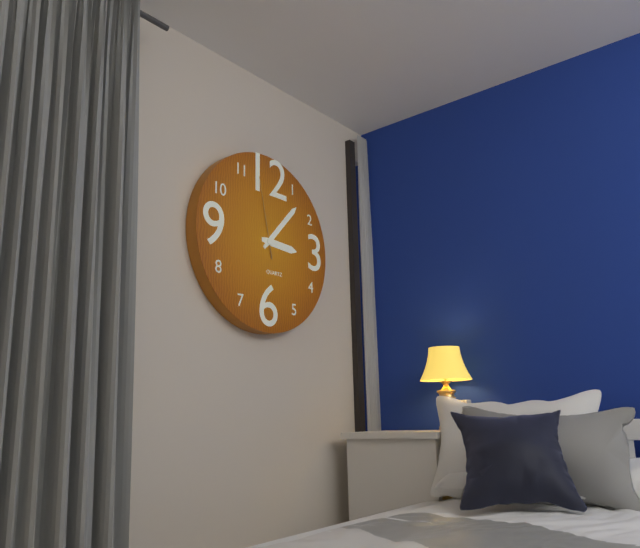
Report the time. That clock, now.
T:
3:07:58
